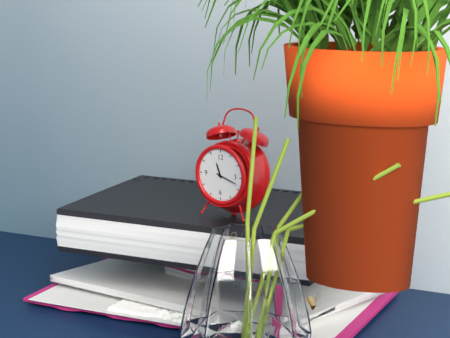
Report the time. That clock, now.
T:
11:18
